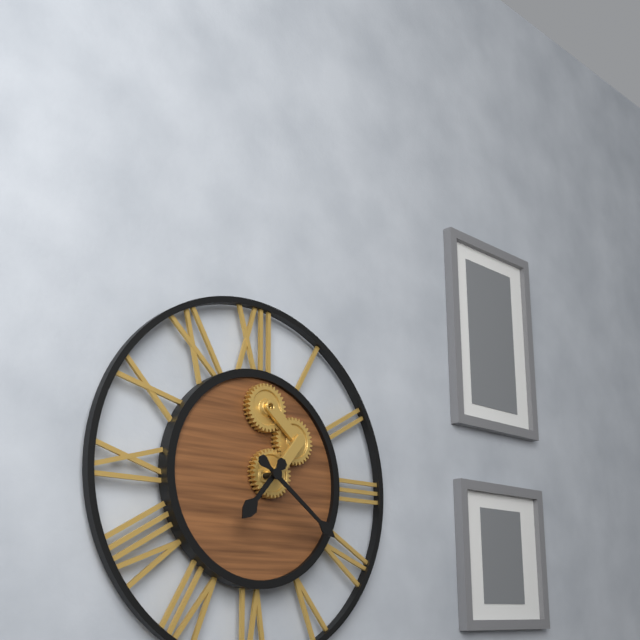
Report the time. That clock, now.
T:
7:21
